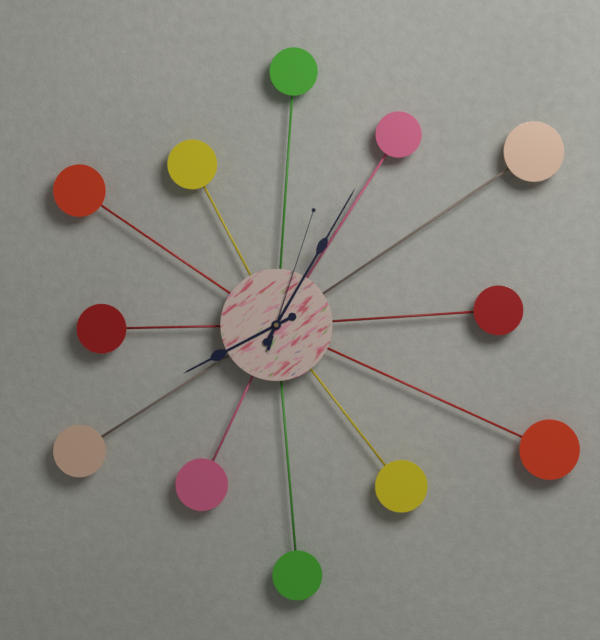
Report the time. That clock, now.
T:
8:05:03
